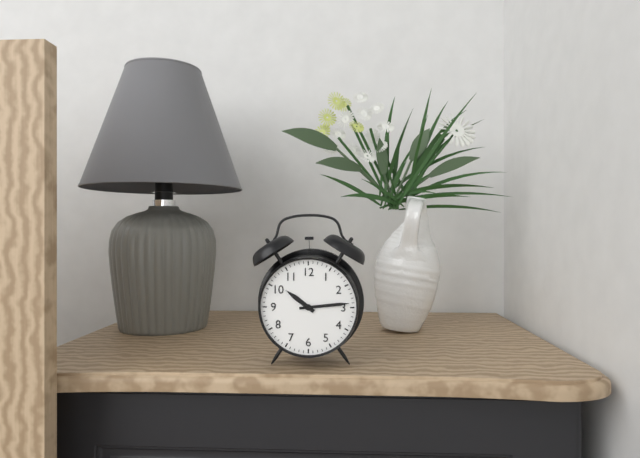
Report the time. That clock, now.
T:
10:14
